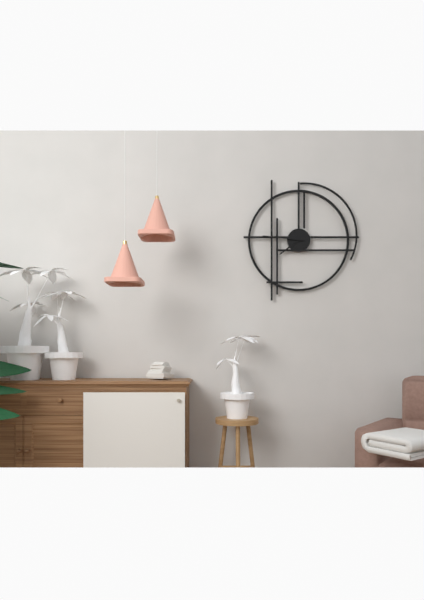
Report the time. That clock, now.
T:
7:46
